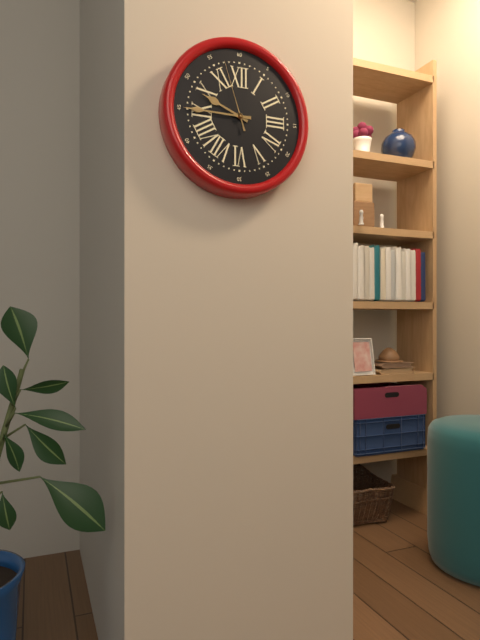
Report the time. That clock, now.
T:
9:45:57
